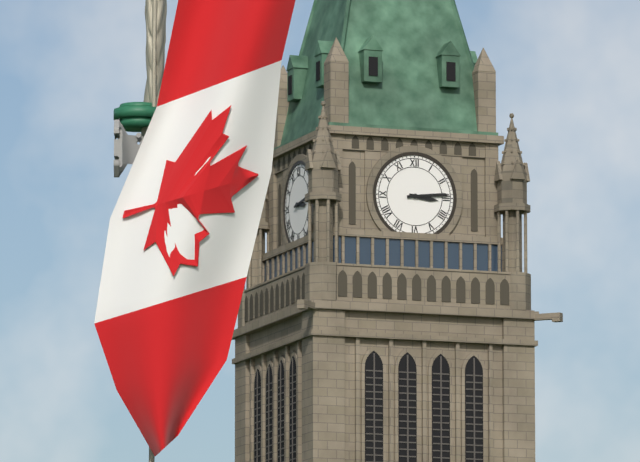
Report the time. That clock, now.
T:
3:14
